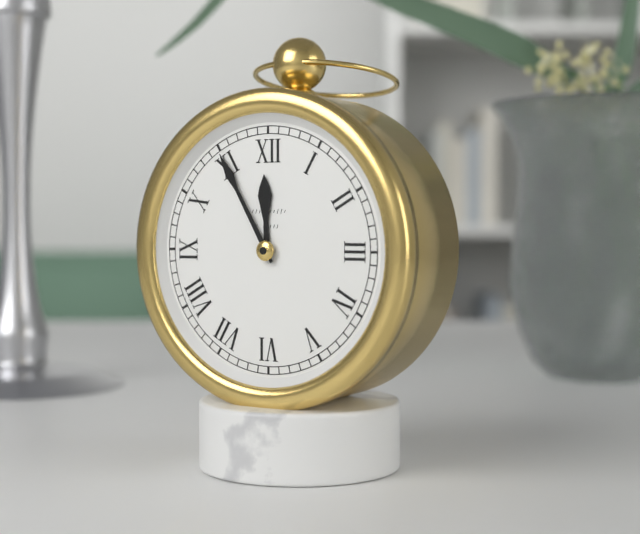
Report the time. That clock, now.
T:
11:55
